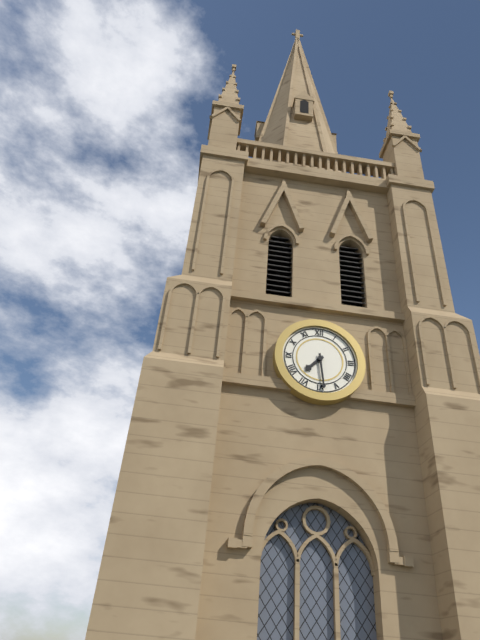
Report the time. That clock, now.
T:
7:29
